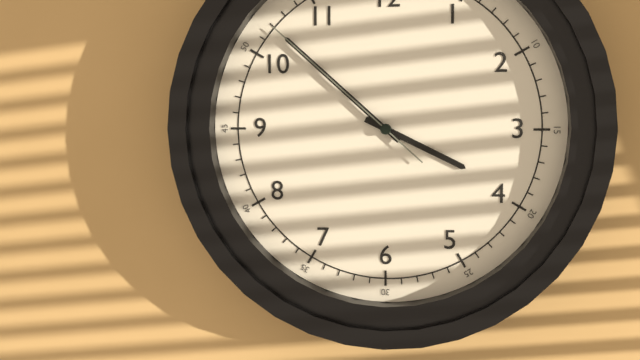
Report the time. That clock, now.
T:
3:52:52
